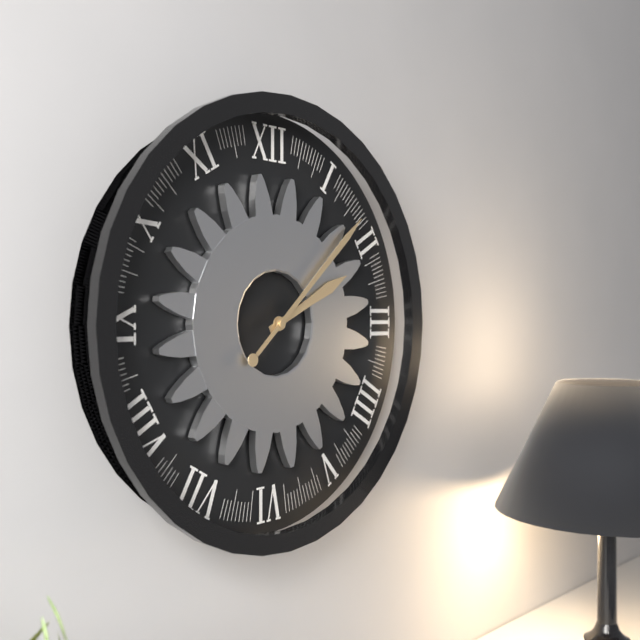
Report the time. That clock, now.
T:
2:08
